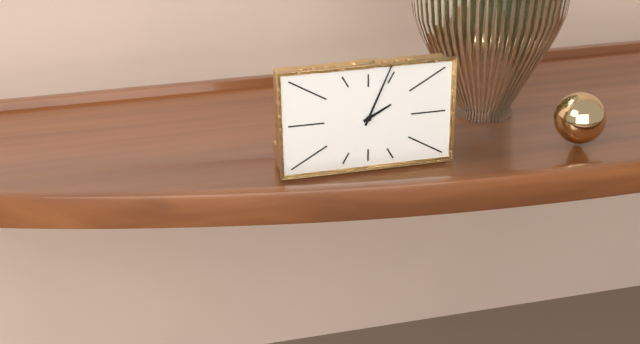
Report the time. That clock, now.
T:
2:04
